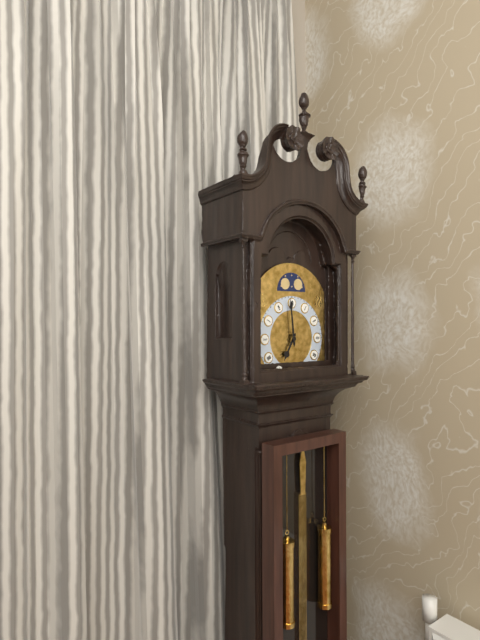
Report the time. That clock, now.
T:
6:59
